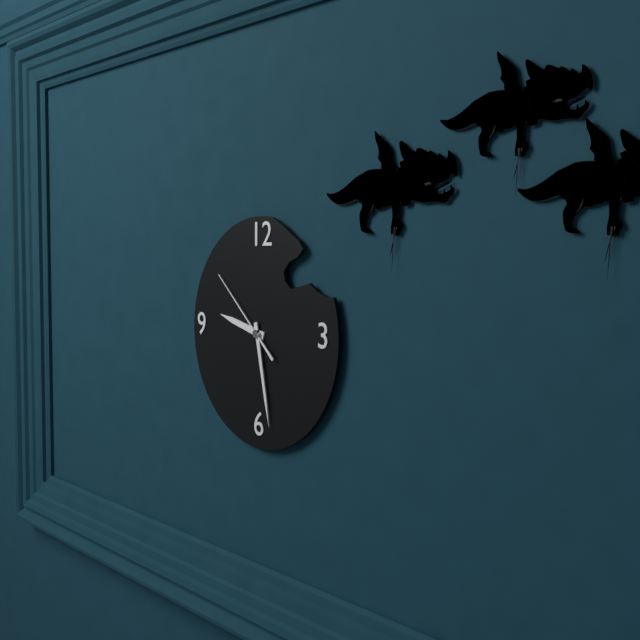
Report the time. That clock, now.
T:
9:28:52
